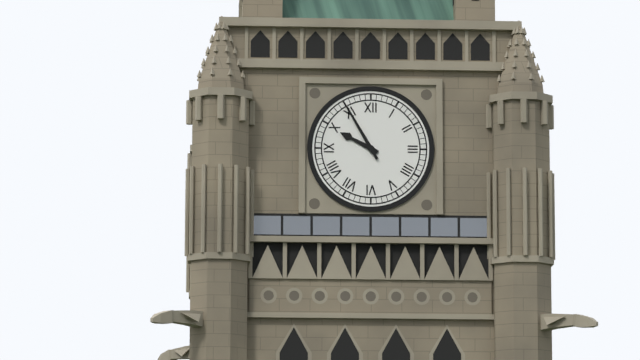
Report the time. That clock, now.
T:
9:55
